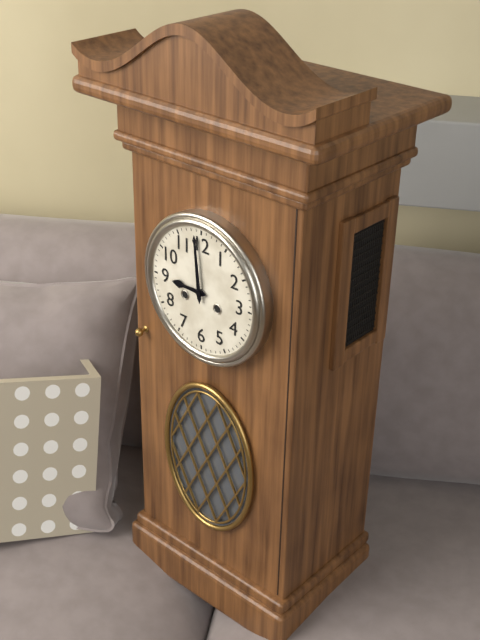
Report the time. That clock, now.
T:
8:59
